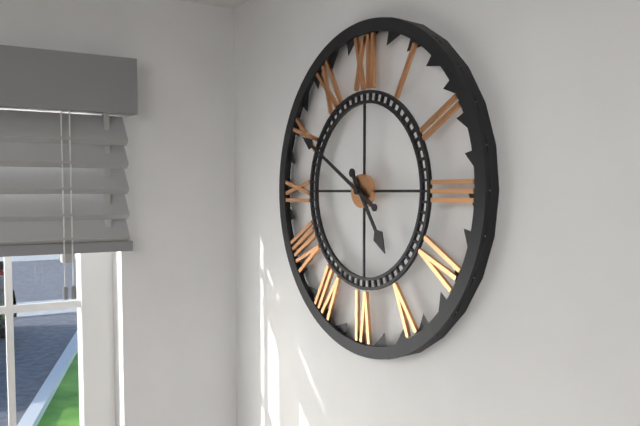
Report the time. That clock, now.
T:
4:50
